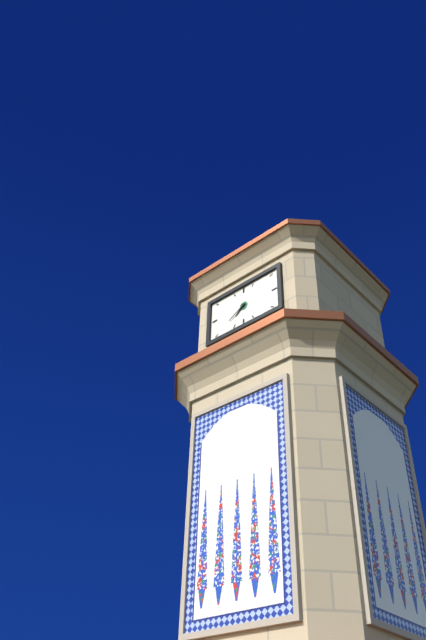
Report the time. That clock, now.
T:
7:40
